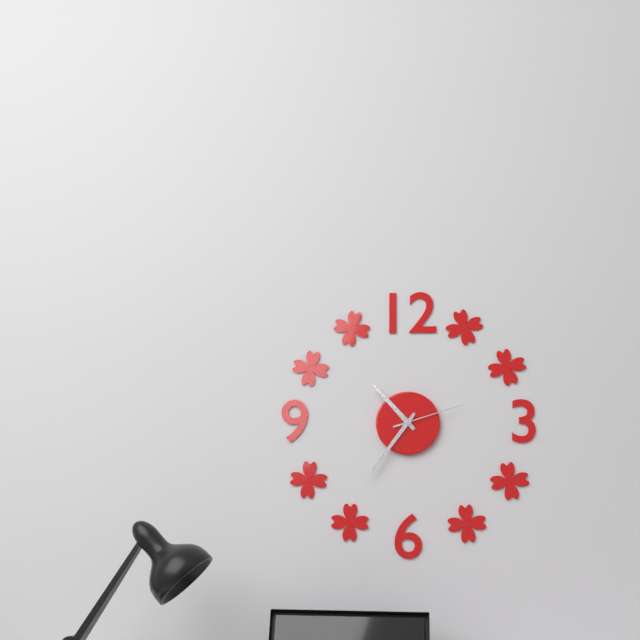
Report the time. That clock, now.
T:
10:36:12
